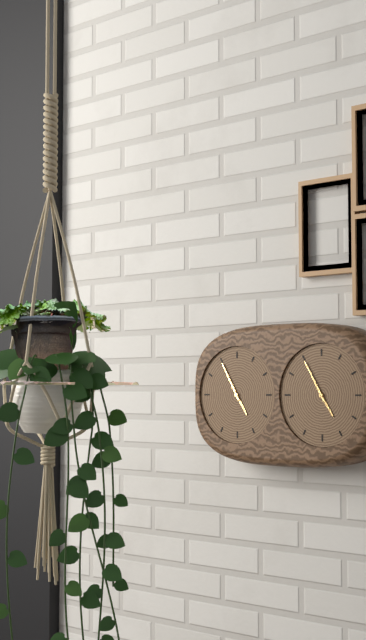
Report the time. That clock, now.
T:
4:55
